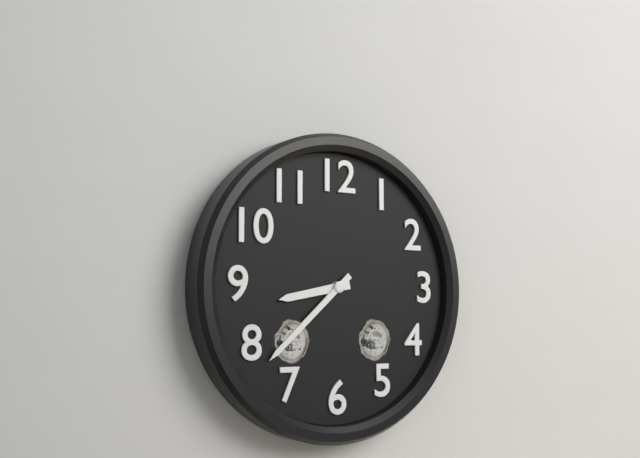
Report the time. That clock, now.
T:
8:38
